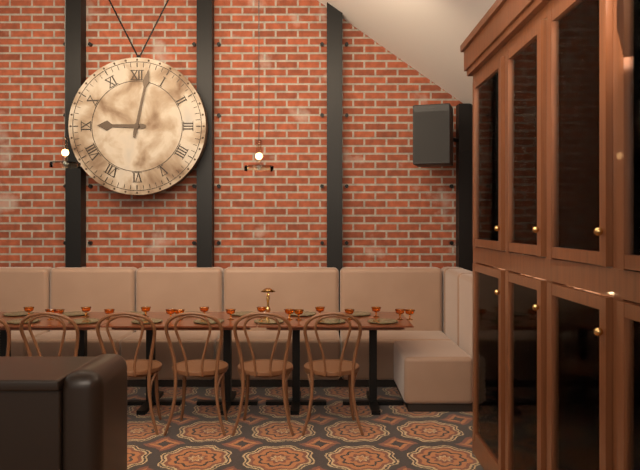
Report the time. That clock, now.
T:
9:02
